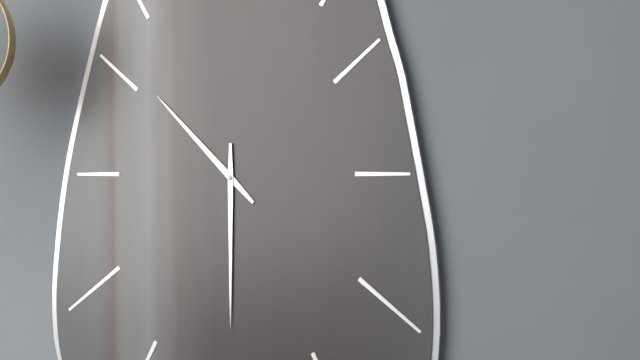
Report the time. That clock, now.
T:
10:30
